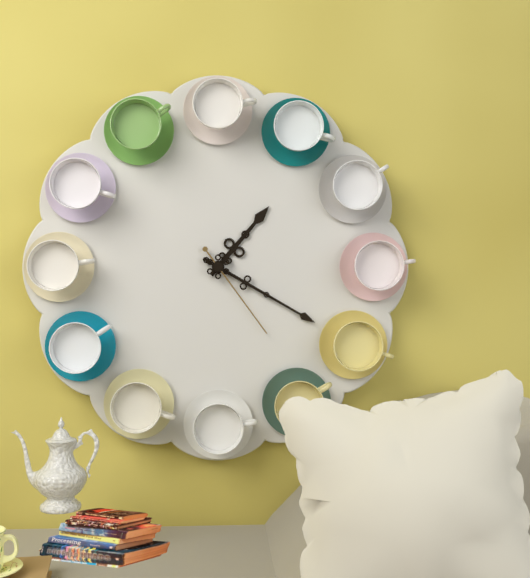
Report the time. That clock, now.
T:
1:20:24
